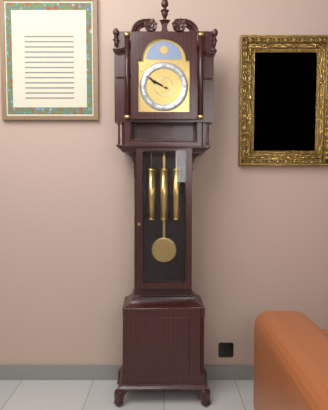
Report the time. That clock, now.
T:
9:50
